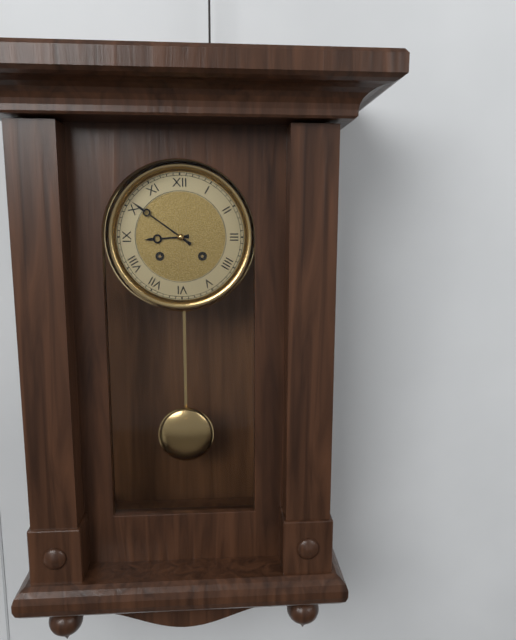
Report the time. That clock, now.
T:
8:51
